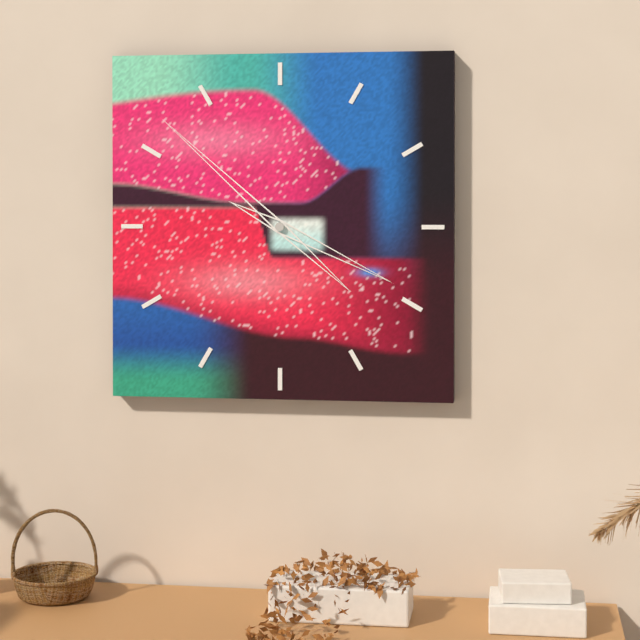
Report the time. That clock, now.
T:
3:52
